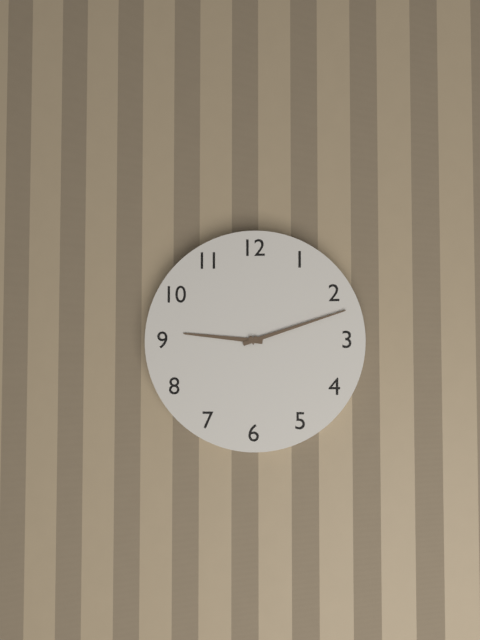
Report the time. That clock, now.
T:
9:12
